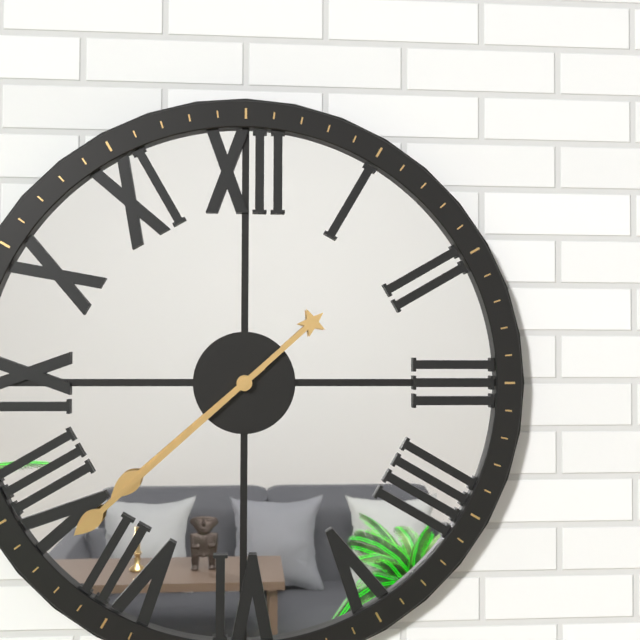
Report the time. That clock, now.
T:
7:38
